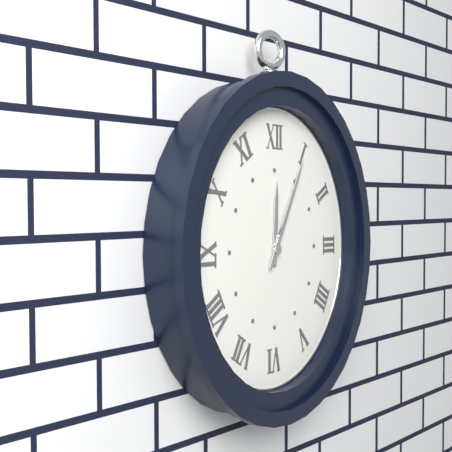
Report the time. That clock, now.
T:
12:05
